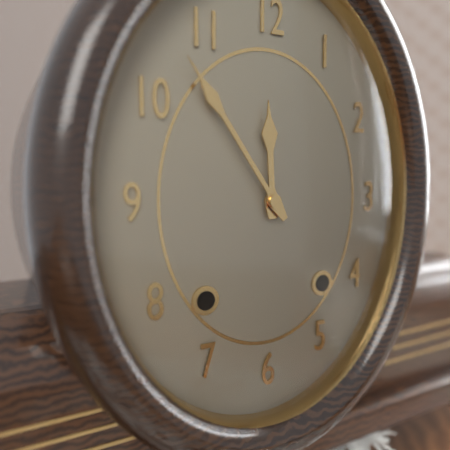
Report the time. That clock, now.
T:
11:54
